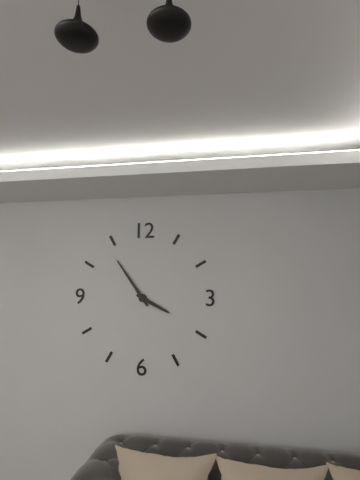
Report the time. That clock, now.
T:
3:54
